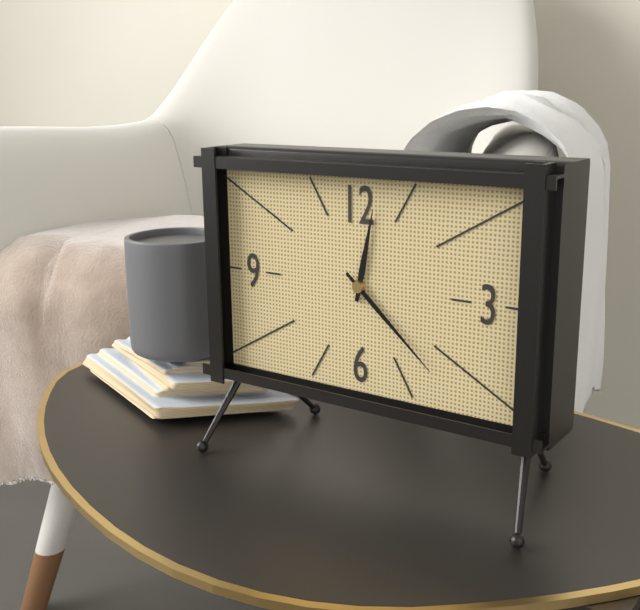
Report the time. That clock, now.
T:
12:22
